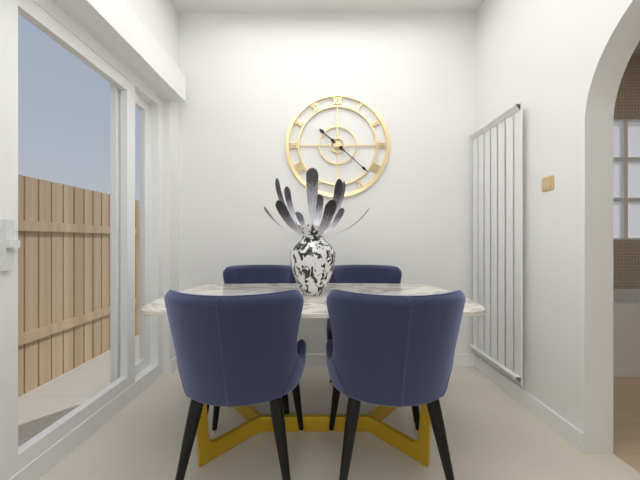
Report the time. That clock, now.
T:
10:22
